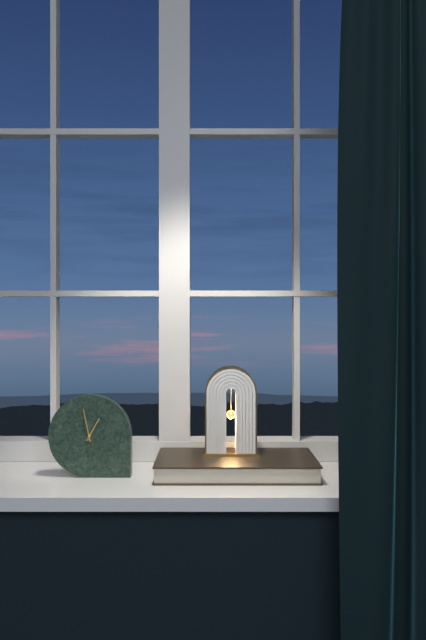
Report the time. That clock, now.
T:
12:58
